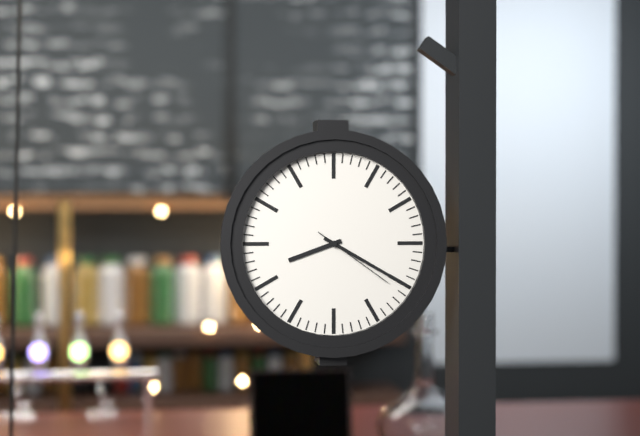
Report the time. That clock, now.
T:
8:20:21
